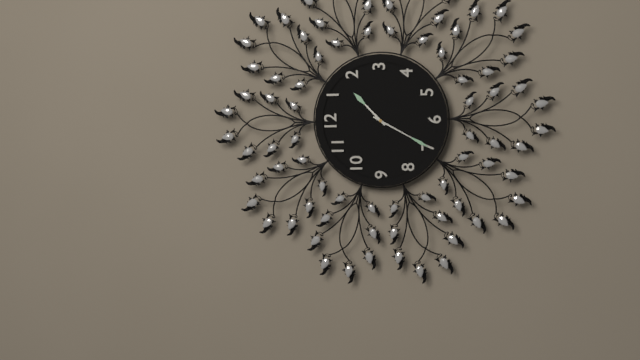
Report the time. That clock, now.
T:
1:35
